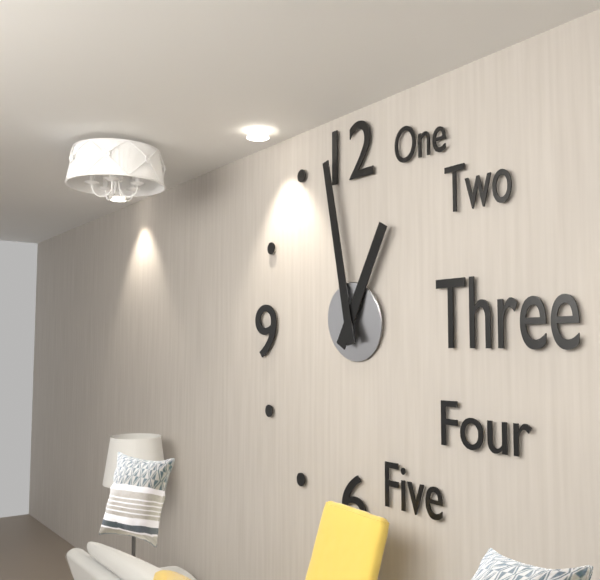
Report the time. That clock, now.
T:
12:58
